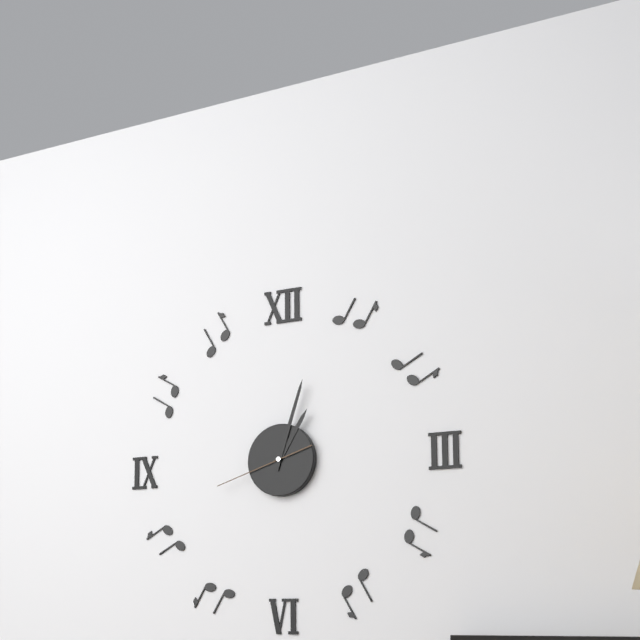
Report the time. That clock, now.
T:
1:03:42
